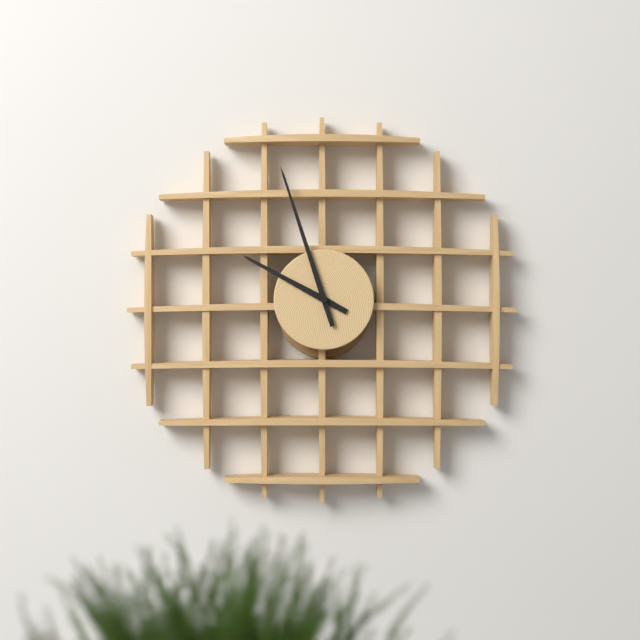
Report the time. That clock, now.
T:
9:57
